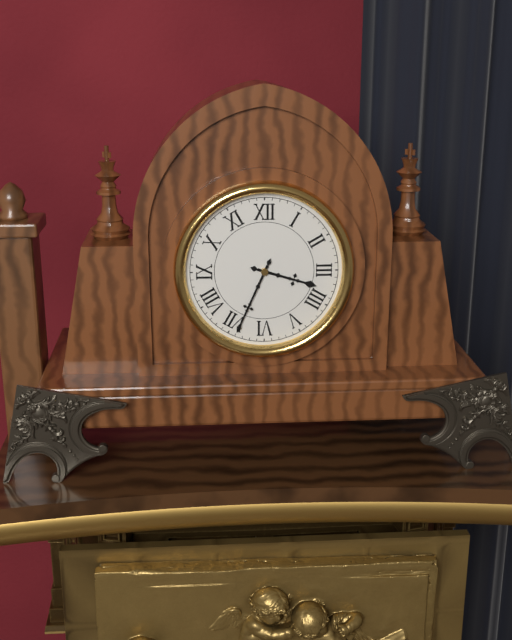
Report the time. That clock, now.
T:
3:34
